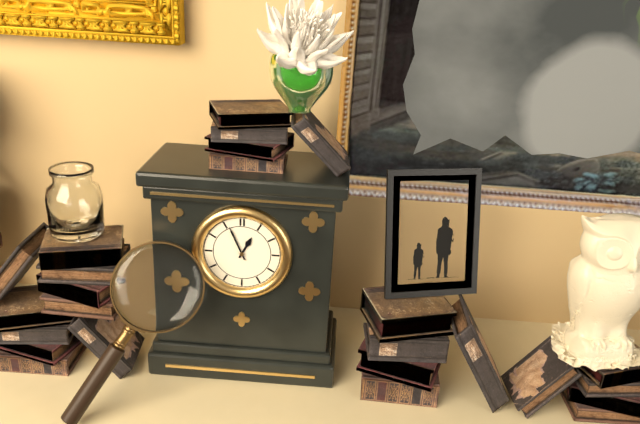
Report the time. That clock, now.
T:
12:56
